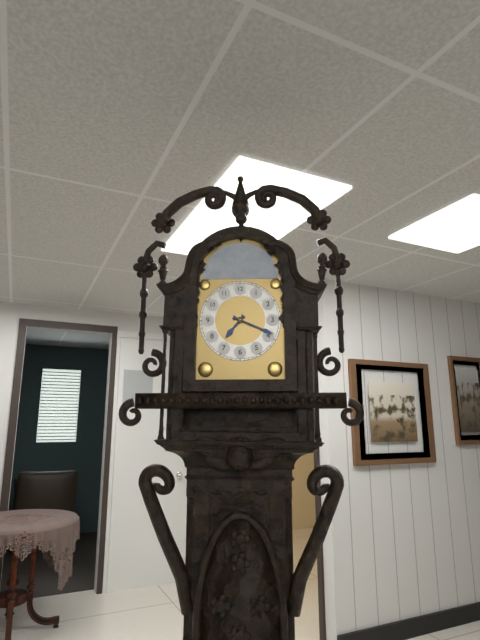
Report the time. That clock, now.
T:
7:19
